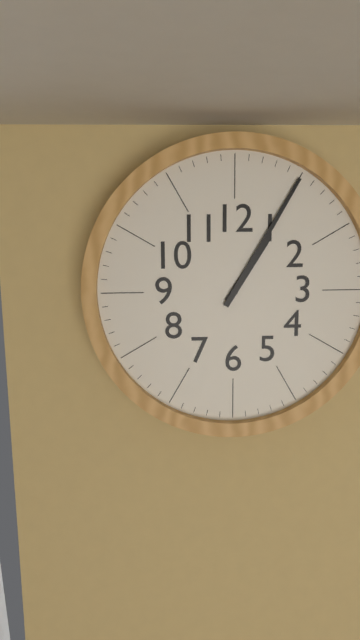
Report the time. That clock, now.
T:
1:05
